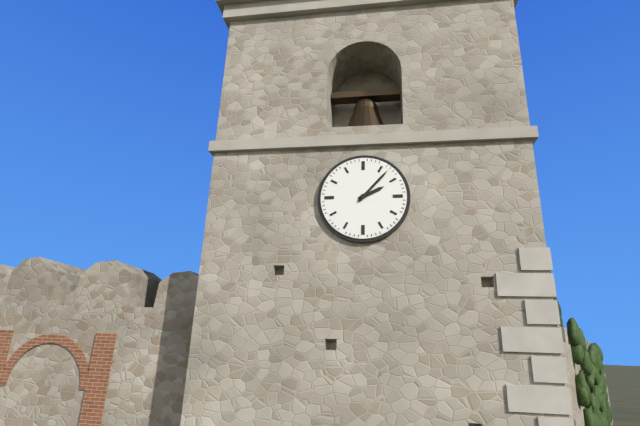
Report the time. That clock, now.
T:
2:07
